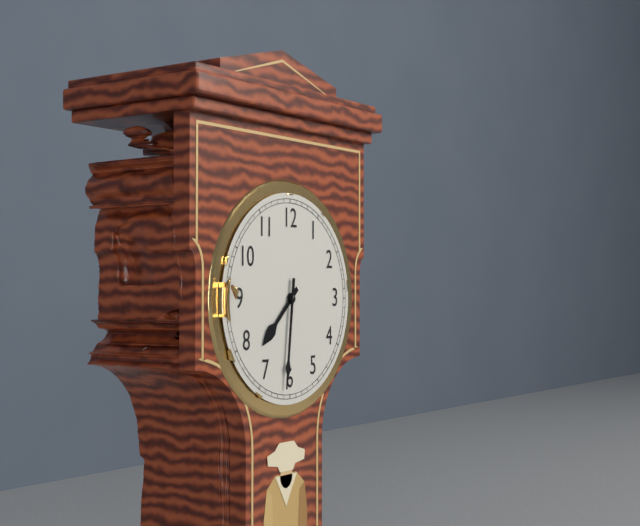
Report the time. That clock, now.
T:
7:31
